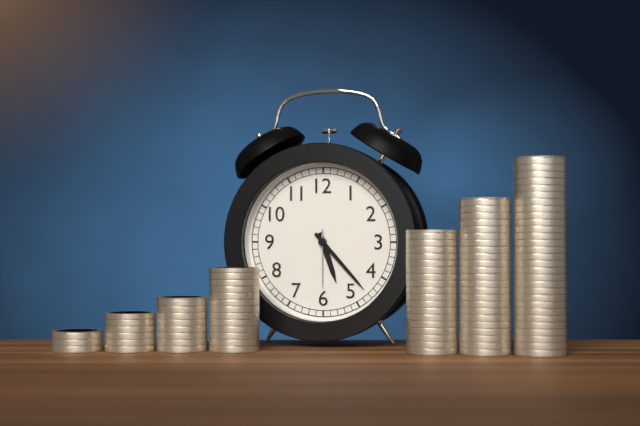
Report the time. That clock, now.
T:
5:23:30
